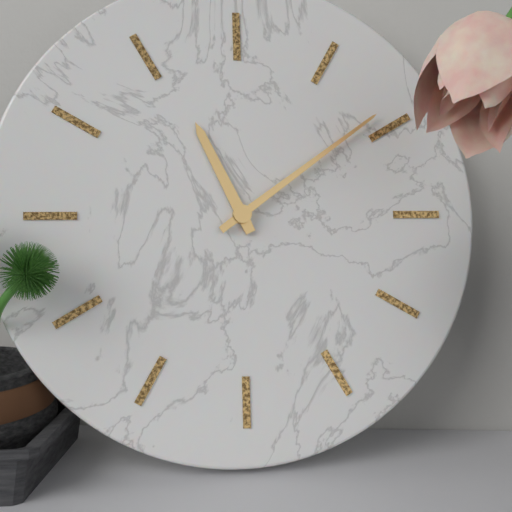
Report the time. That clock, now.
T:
11:09
